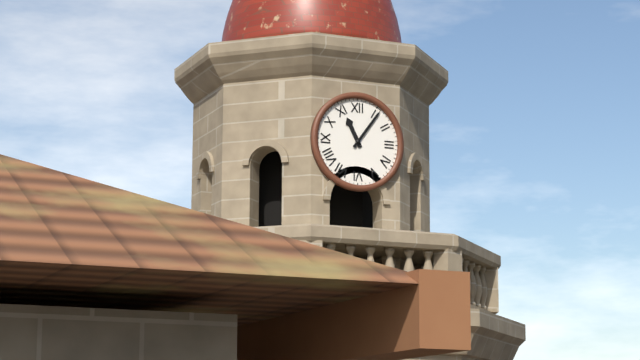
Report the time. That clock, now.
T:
11:06
